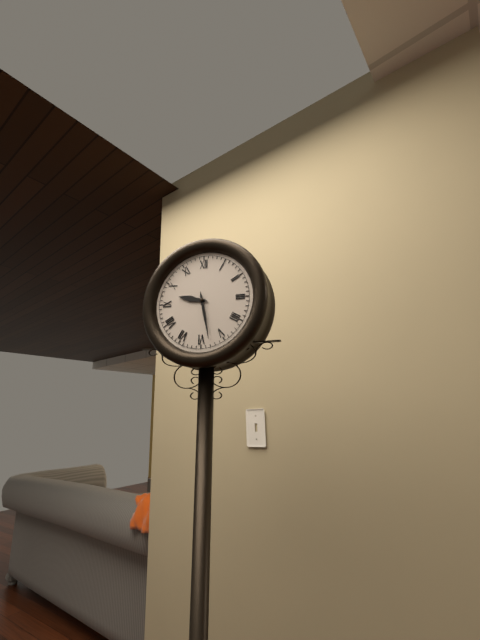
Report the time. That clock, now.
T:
9:28
